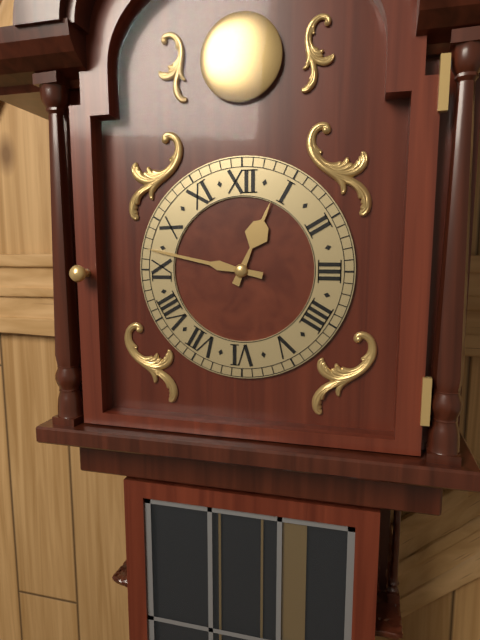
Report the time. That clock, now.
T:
12:47
